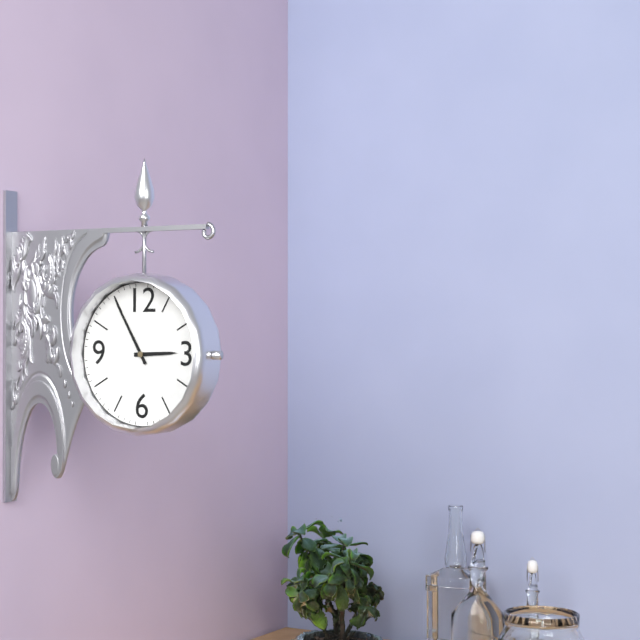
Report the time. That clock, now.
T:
2:55
